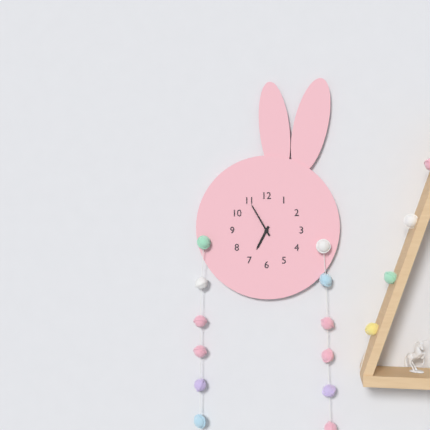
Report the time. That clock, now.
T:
6:55
